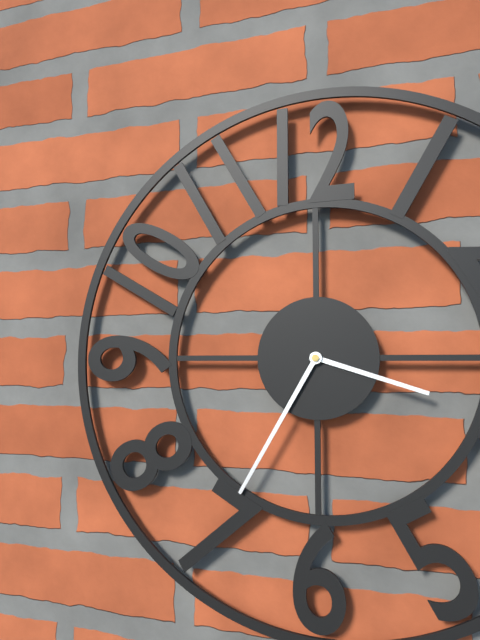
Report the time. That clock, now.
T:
3:35
